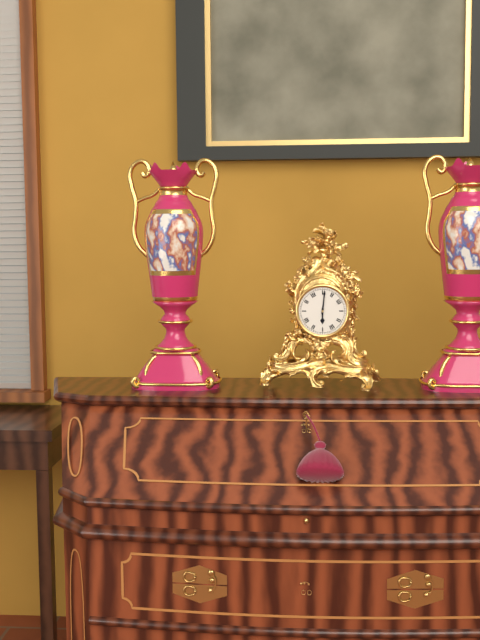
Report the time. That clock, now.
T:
6:01
